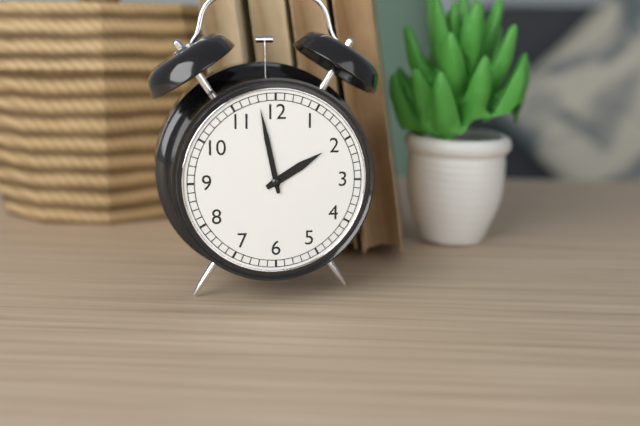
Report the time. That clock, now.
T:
1:58
